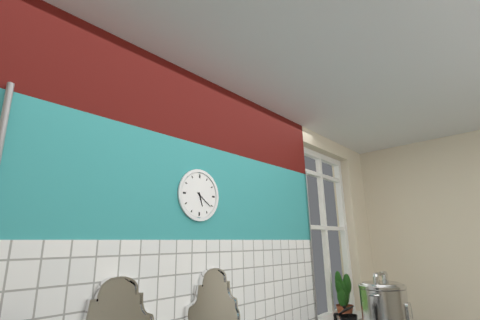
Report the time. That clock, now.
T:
5:21
